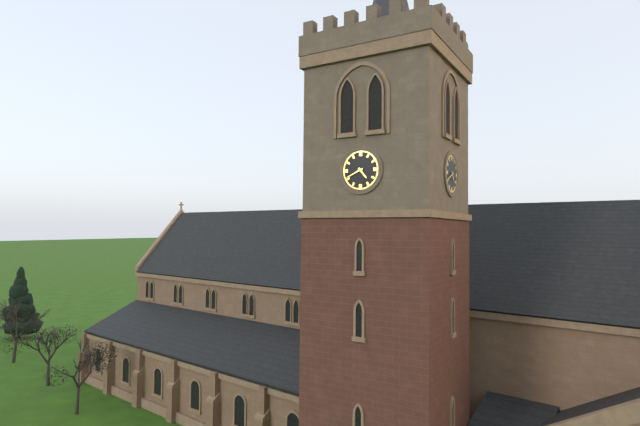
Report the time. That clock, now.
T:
4:41
